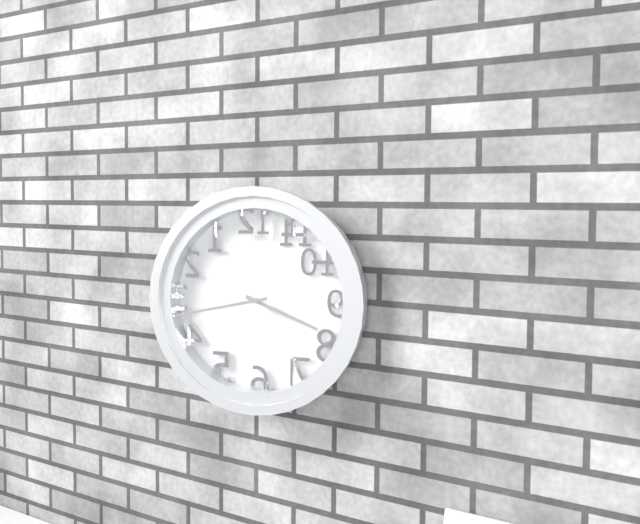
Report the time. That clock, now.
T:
3:43
